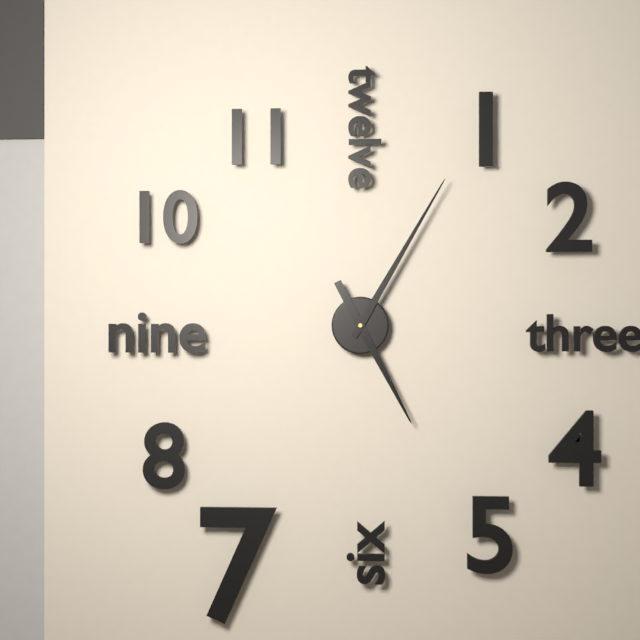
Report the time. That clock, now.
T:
5:05
